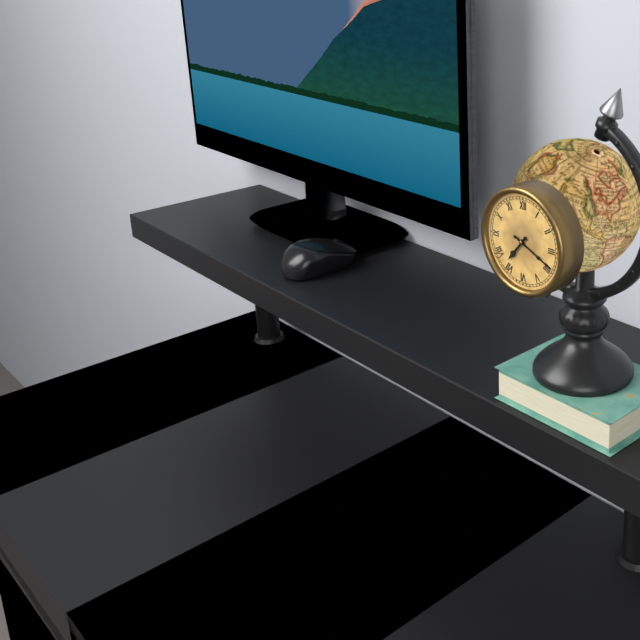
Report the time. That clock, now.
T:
7:19
